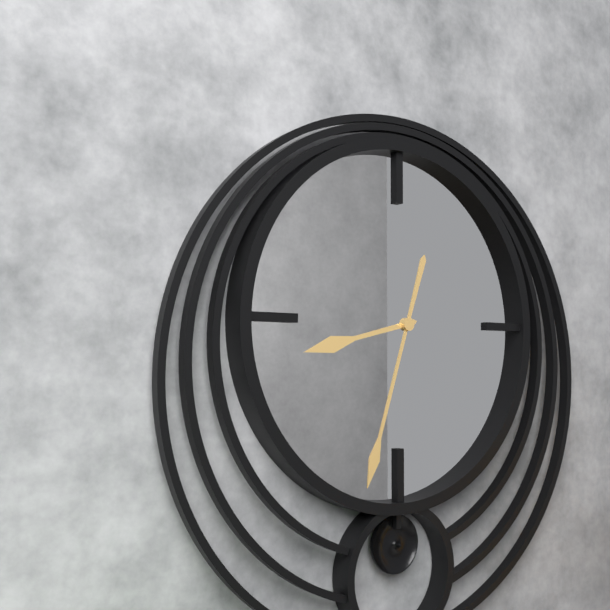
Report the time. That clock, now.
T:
8:33
